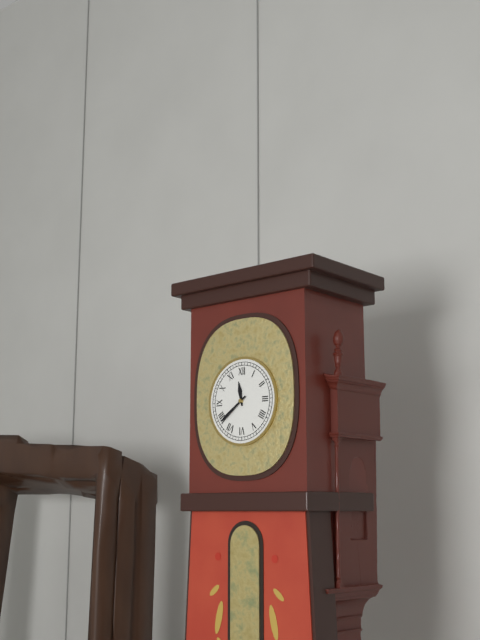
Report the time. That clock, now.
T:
11:39
